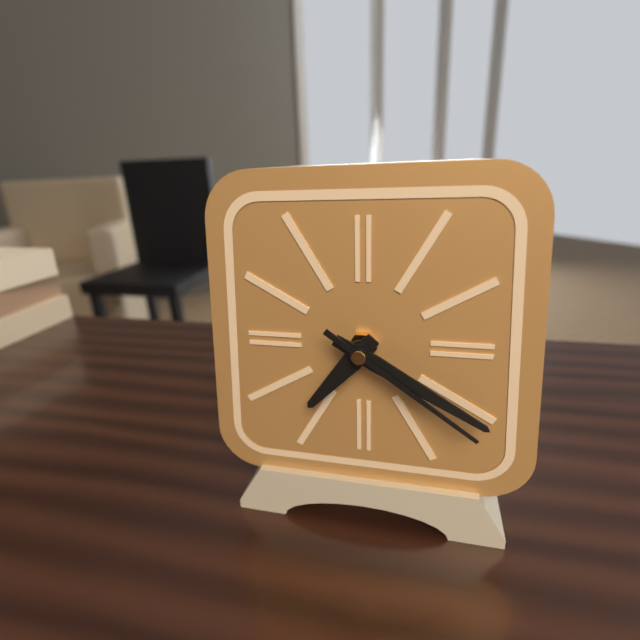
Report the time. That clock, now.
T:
7:20:21
